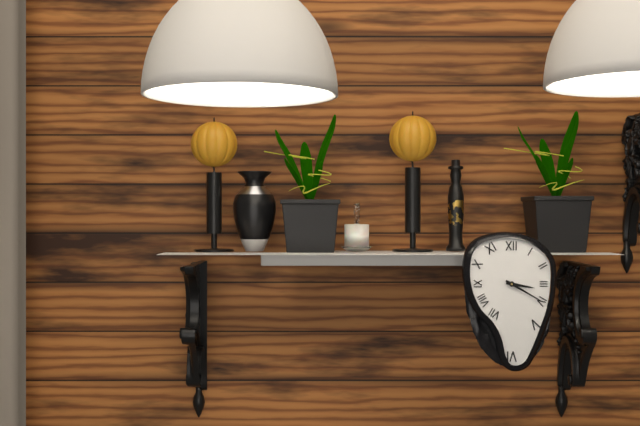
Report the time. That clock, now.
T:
3:20
